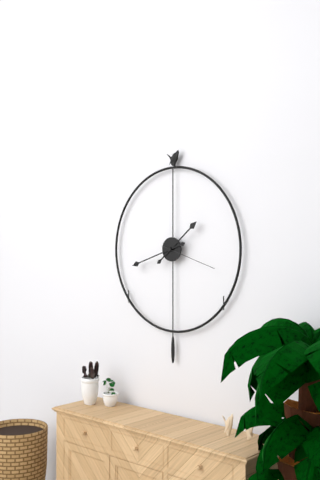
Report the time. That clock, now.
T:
1:42:18
